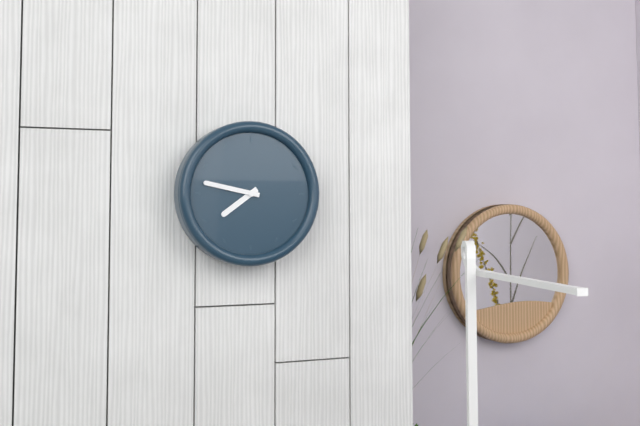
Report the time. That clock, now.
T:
7:47
